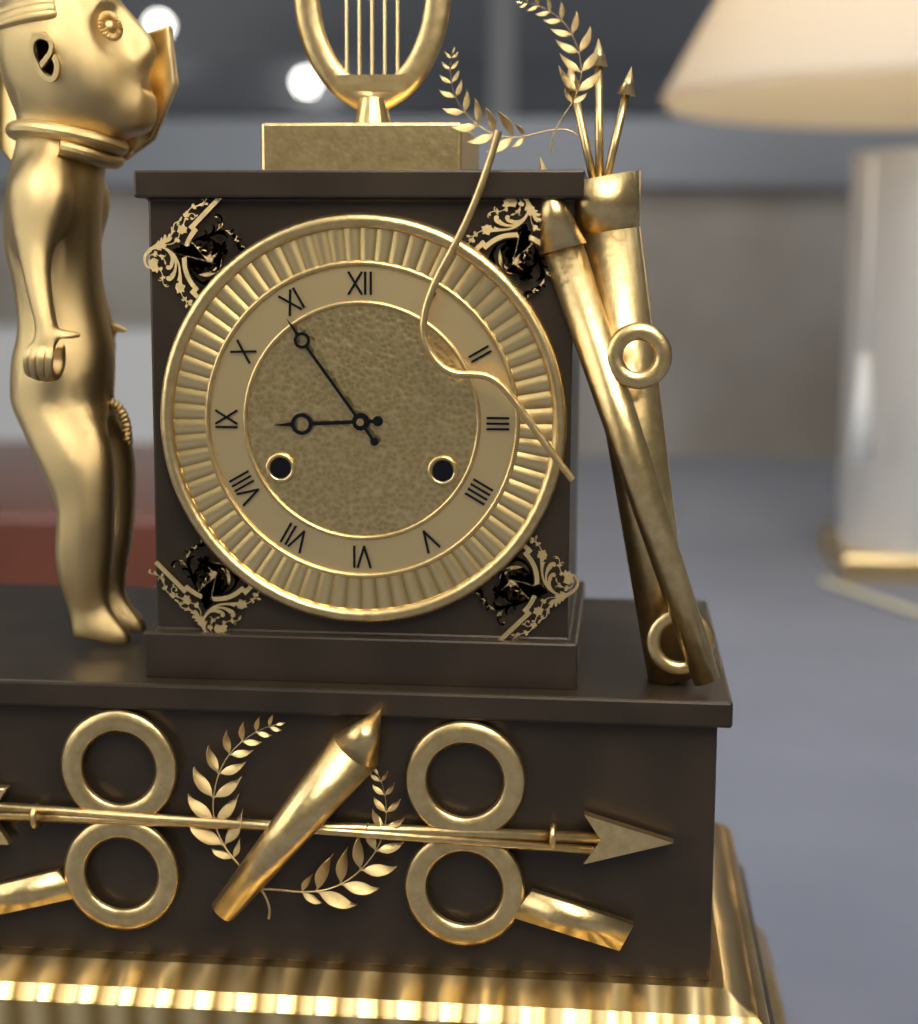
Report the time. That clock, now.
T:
8:54
